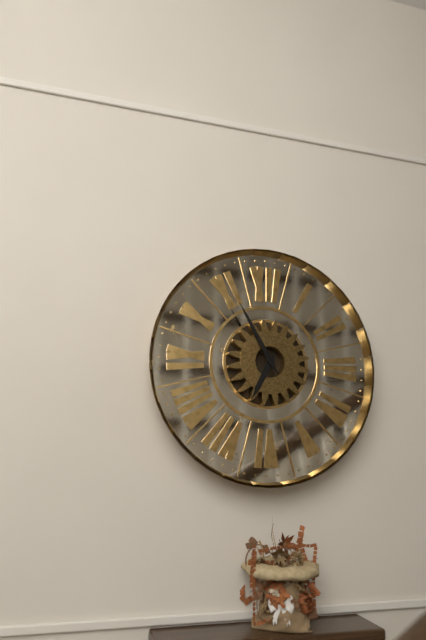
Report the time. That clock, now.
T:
6:55
